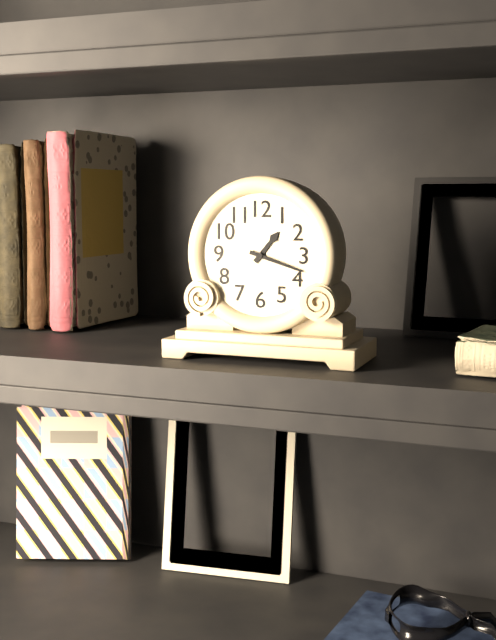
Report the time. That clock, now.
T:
1:18
